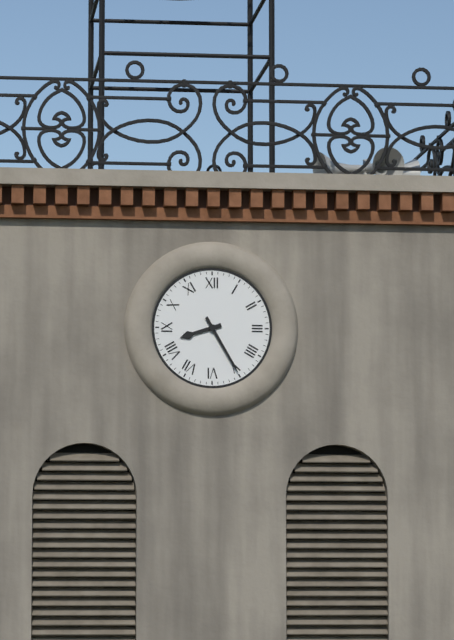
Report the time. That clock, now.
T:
8:25
